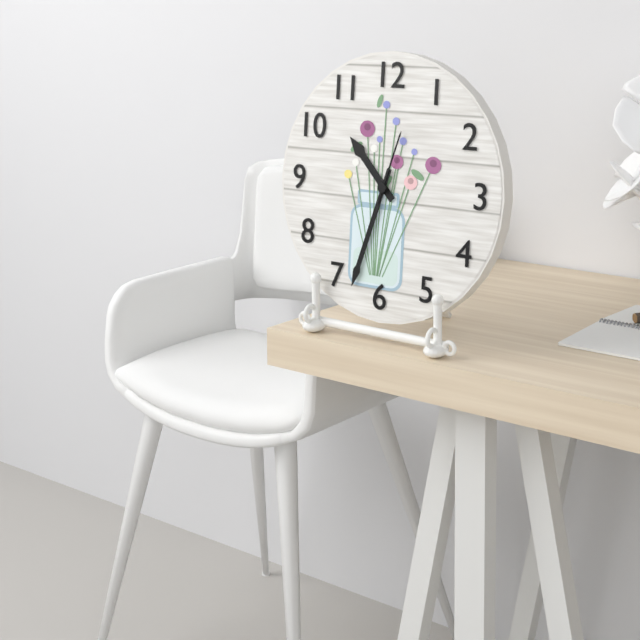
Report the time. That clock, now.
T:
10:33:03
